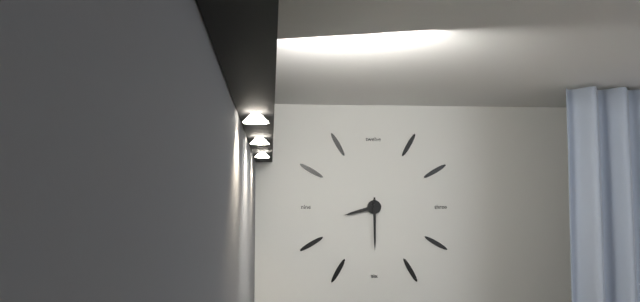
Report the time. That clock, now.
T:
8:30
